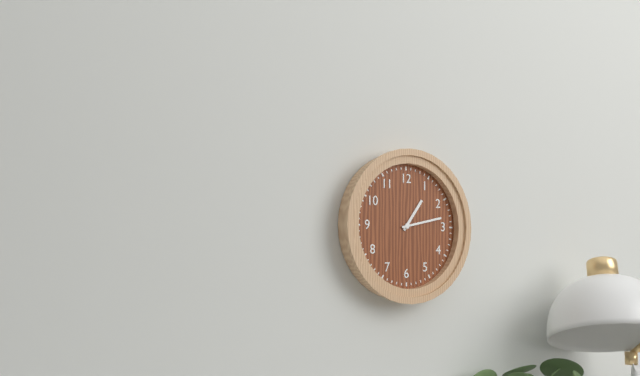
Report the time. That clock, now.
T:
1:13
